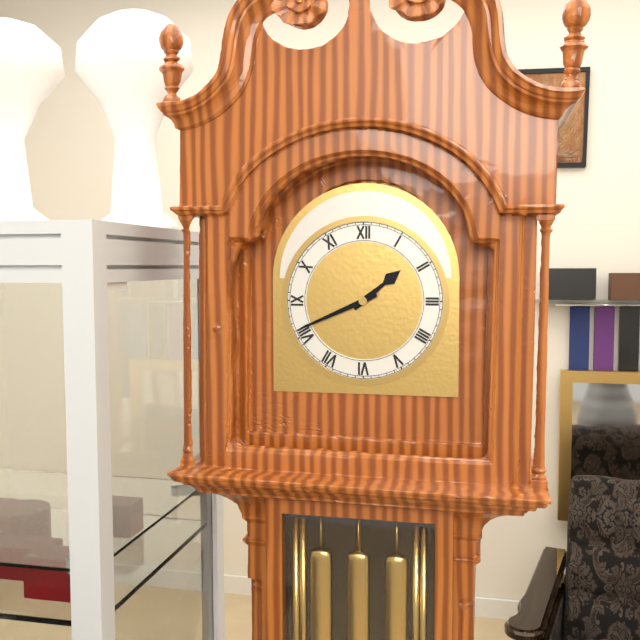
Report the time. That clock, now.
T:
1:41
